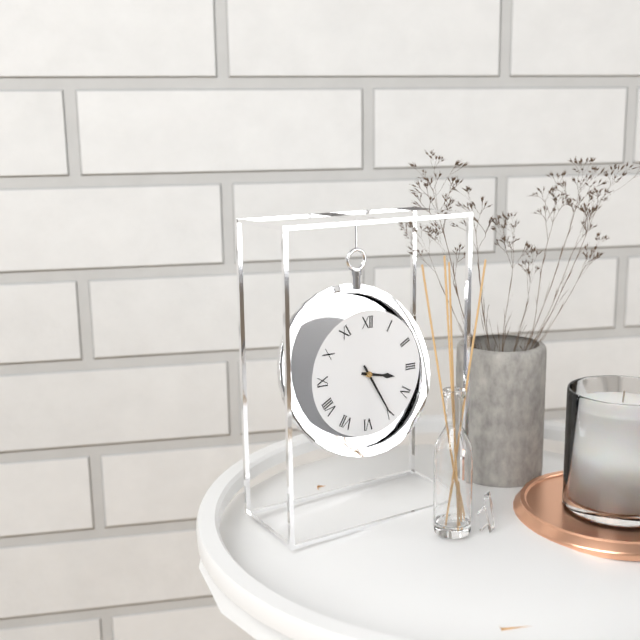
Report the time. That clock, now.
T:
3:25
